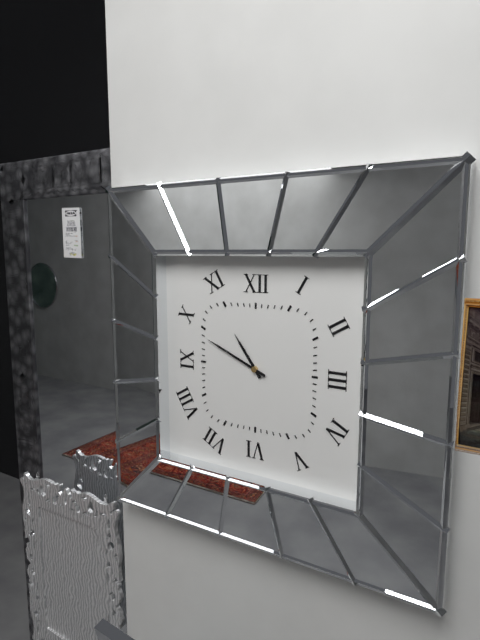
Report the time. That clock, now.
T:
10:49
